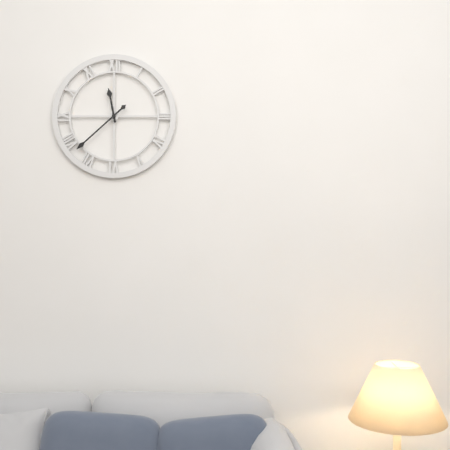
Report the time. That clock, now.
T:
11:38
